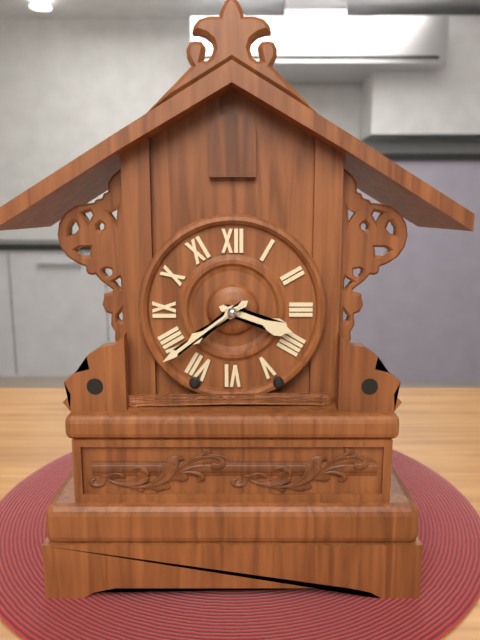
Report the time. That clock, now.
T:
3:39
